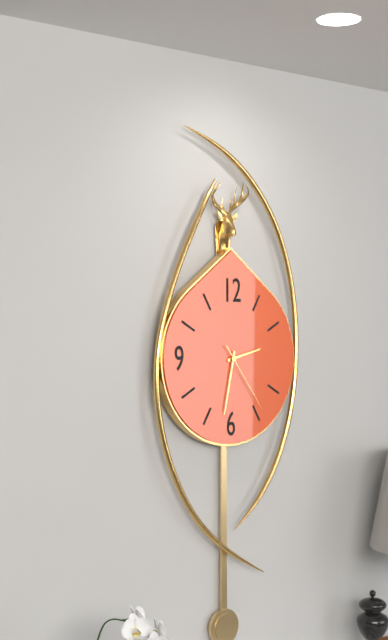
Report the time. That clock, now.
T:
2:32:24
